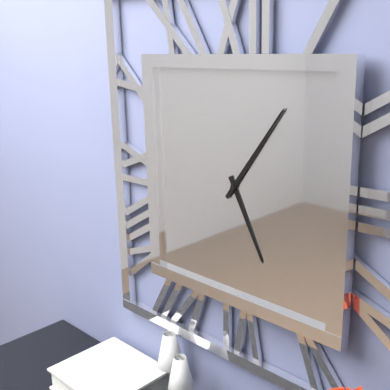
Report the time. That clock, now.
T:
5:06
